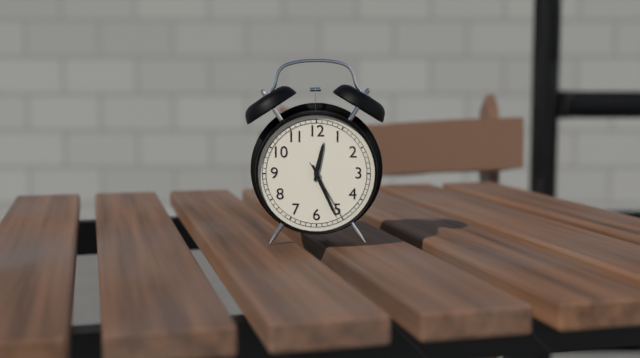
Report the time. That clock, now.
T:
12:26:25
